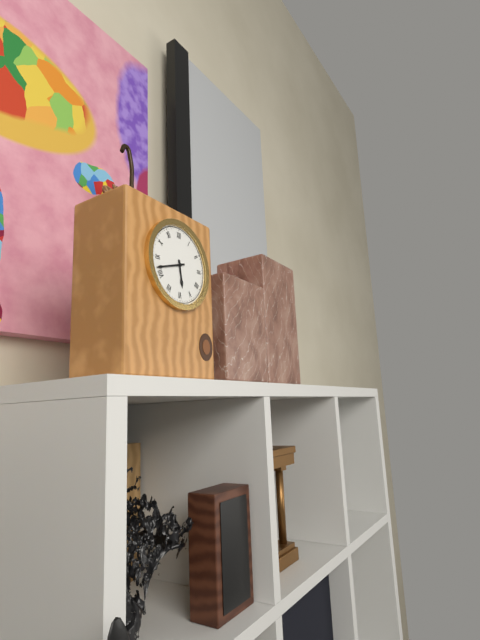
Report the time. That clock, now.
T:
5:42
